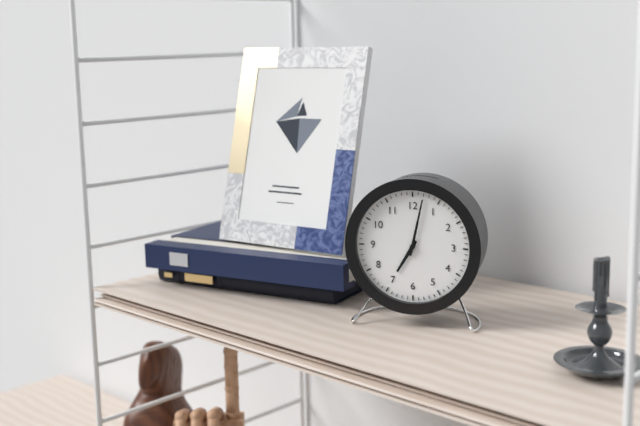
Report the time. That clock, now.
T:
7:02
